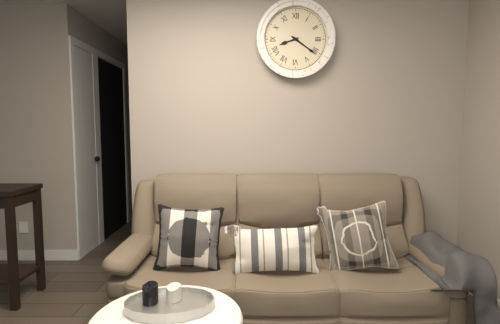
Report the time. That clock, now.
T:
8:21
